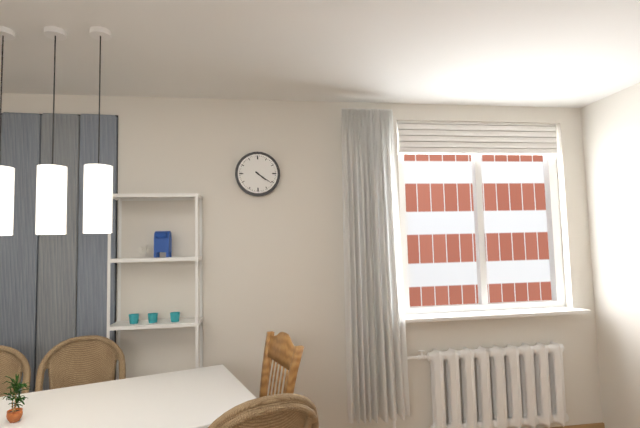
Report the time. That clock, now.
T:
4:21
